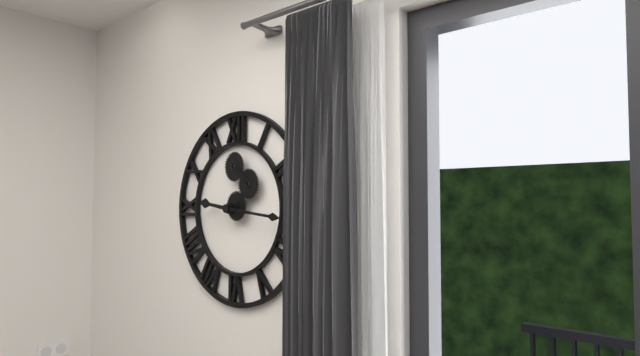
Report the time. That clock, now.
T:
9:16
